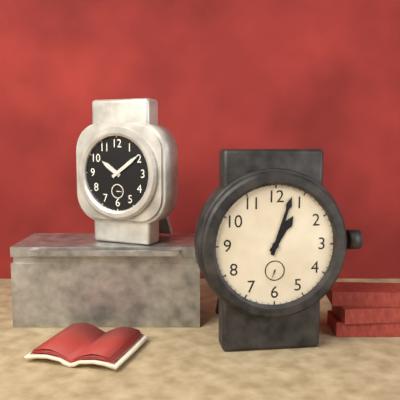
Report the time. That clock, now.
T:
1:03
